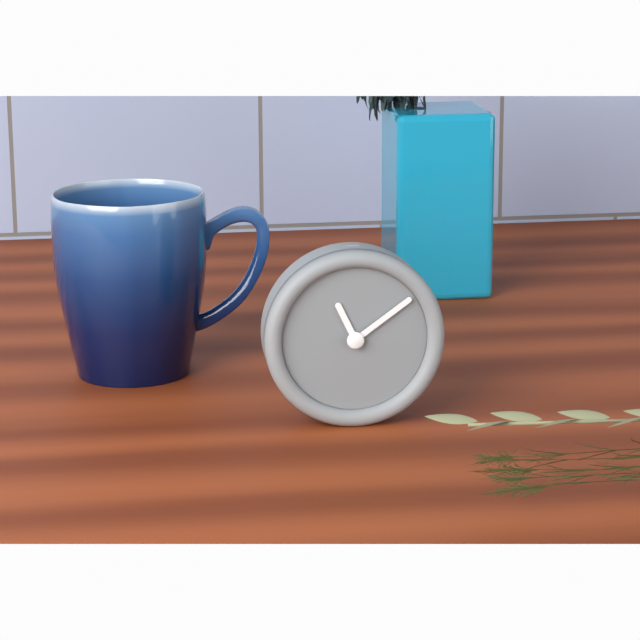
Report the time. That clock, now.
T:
11:09
